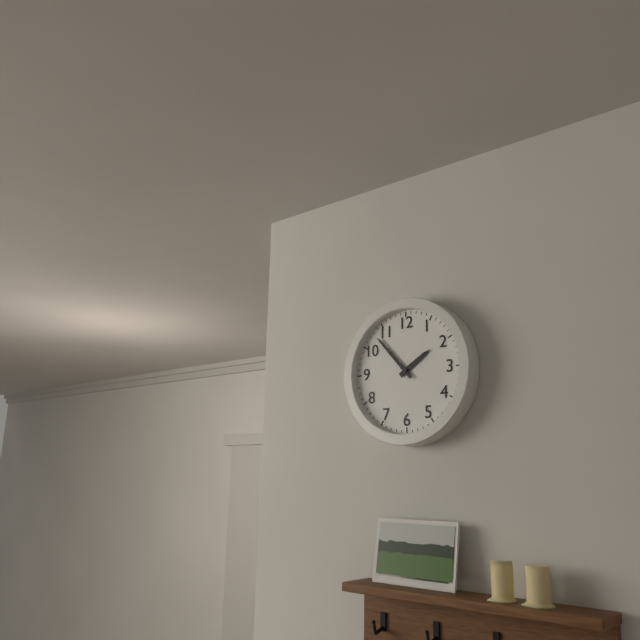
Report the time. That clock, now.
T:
1:53
